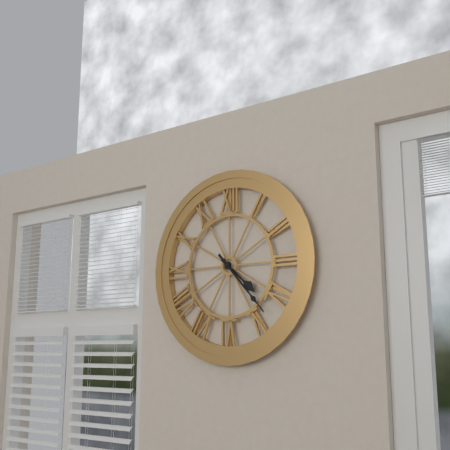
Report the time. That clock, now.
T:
4:23
